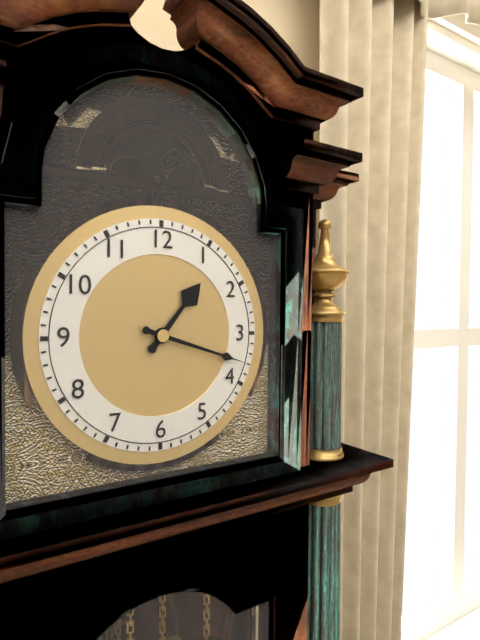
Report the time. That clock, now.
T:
1:18
